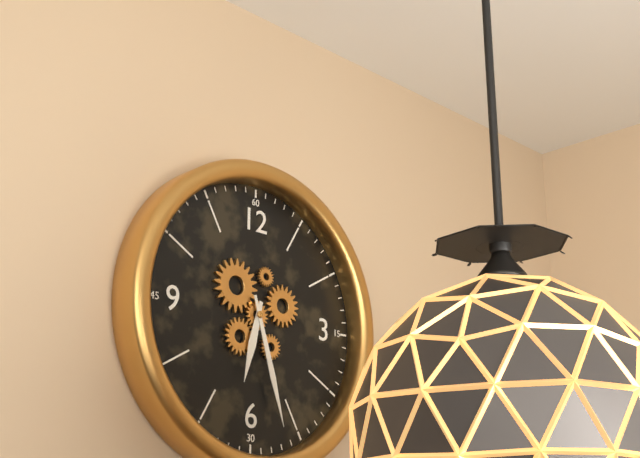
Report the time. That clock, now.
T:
6:27
